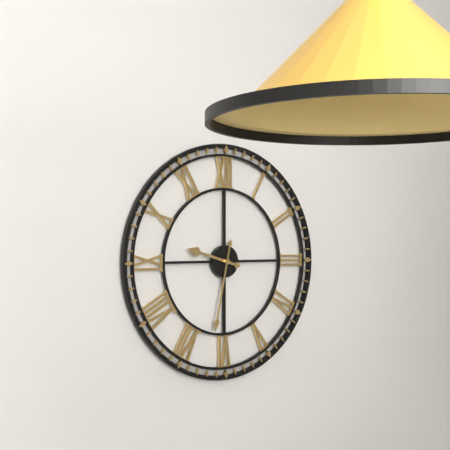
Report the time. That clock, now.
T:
9:32
